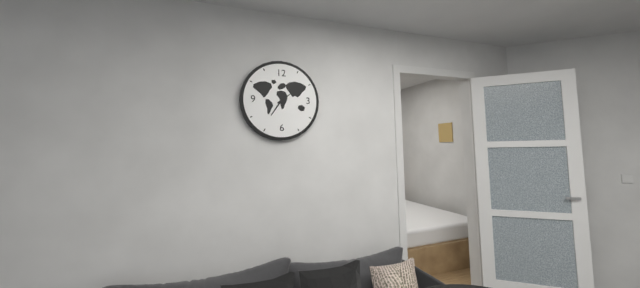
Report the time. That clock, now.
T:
7:09
